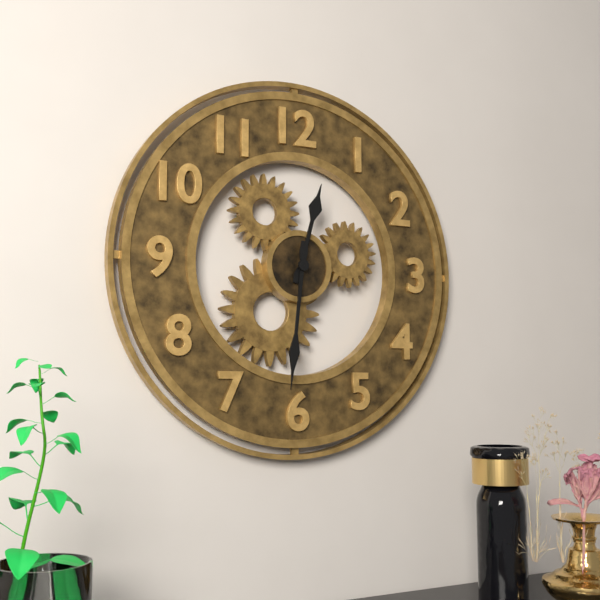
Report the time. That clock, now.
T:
12:31
